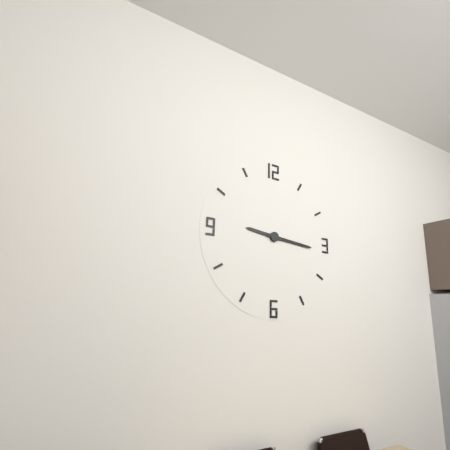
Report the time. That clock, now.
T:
9:16
